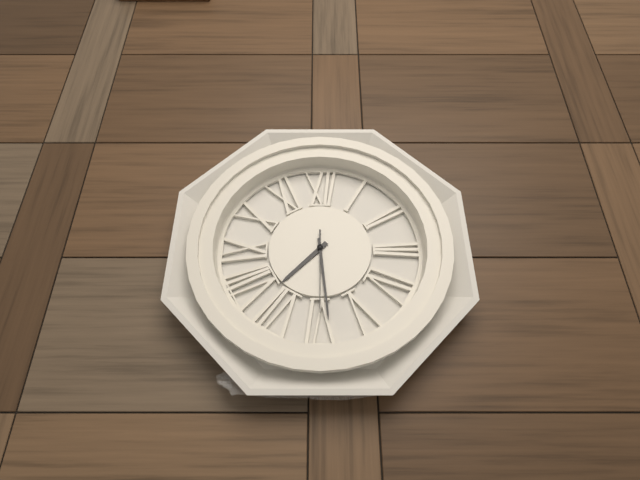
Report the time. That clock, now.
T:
7:29:30
